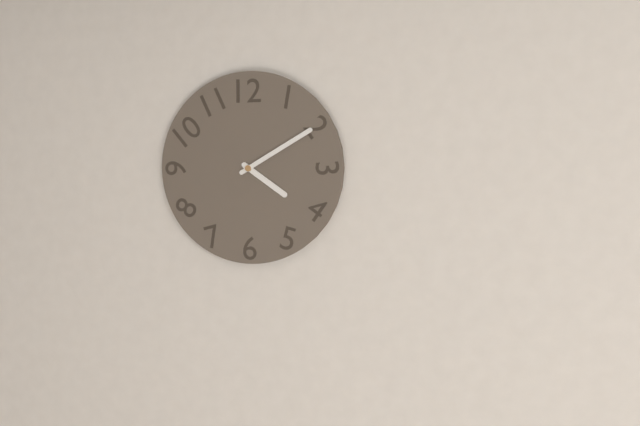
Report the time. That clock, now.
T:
4:10
